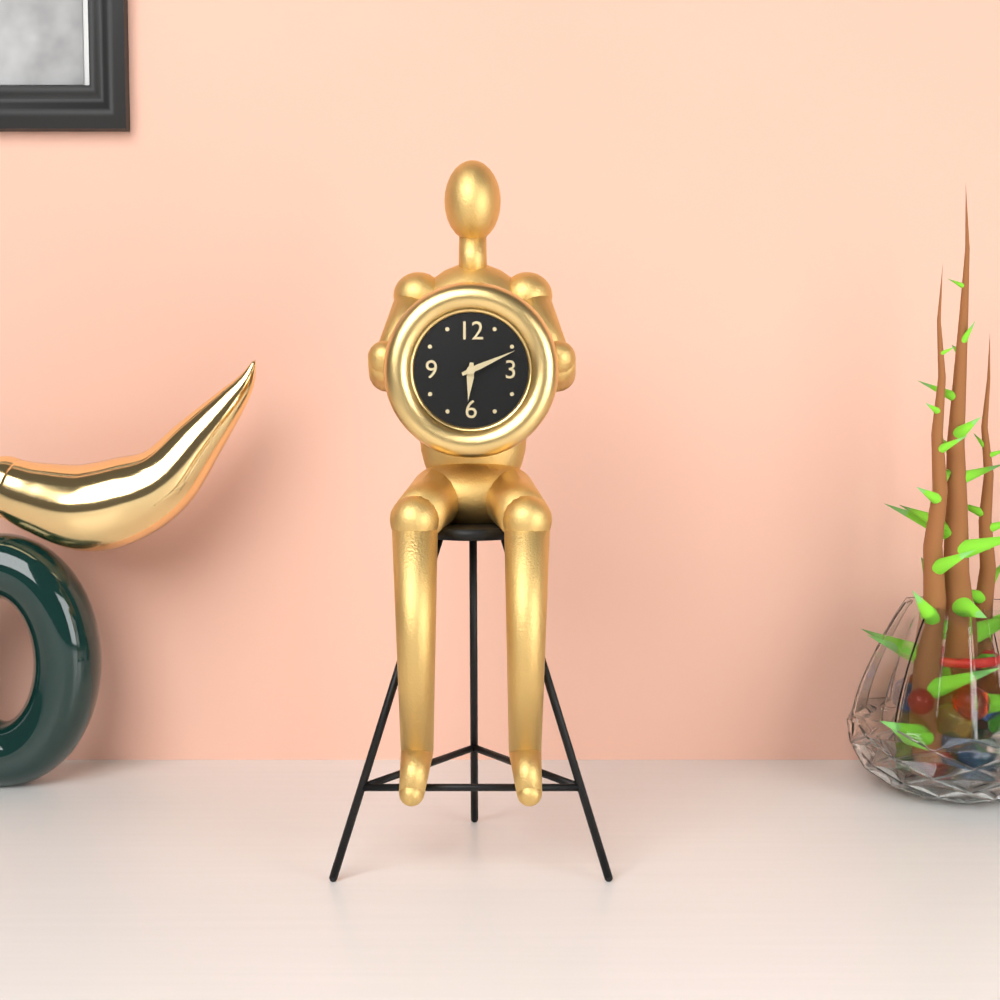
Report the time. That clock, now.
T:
6:11
